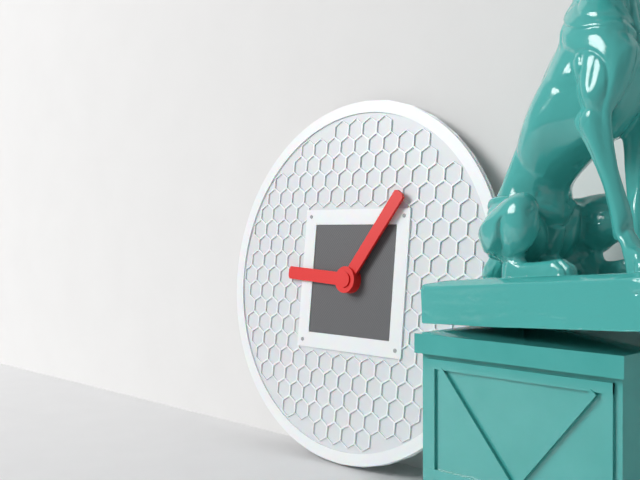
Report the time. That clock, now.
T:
9:06
